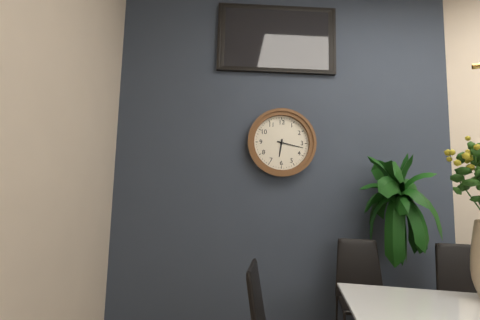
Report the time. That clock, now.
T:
6:17
